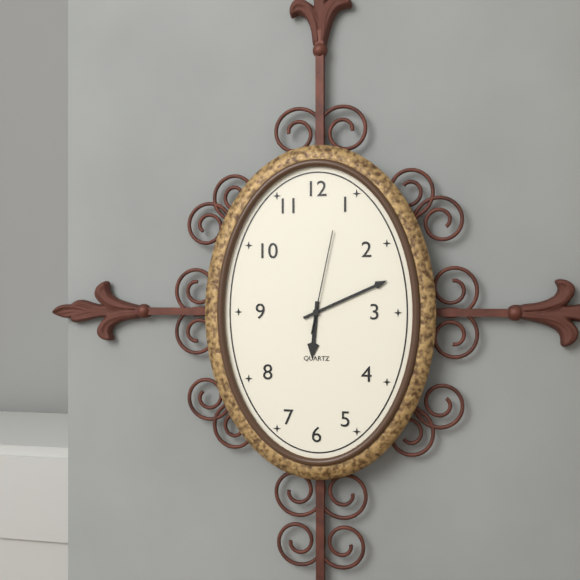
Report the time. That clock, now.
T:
6:11:02
